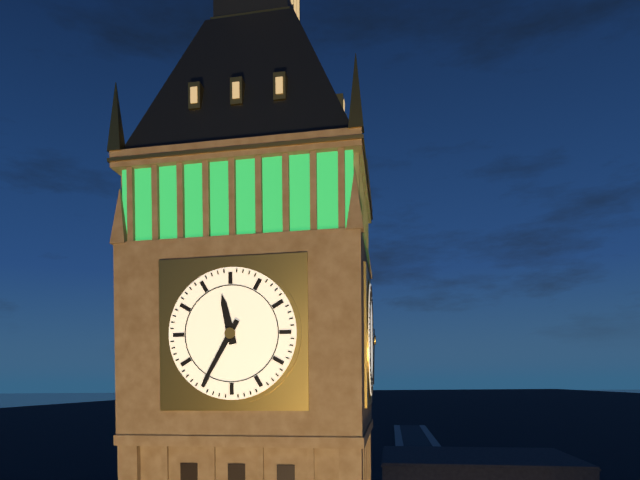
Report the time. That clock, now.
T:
11:35
